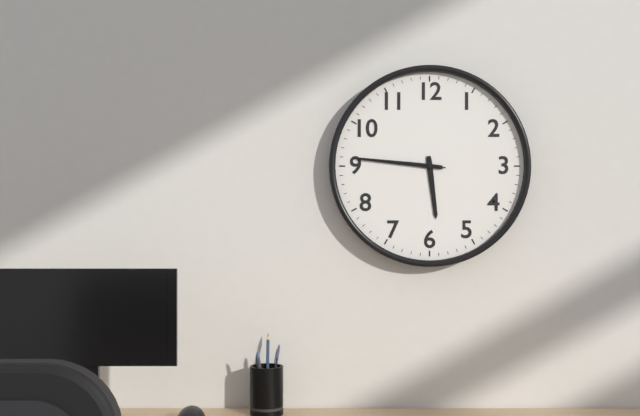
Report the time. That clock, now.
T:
5:46:46
